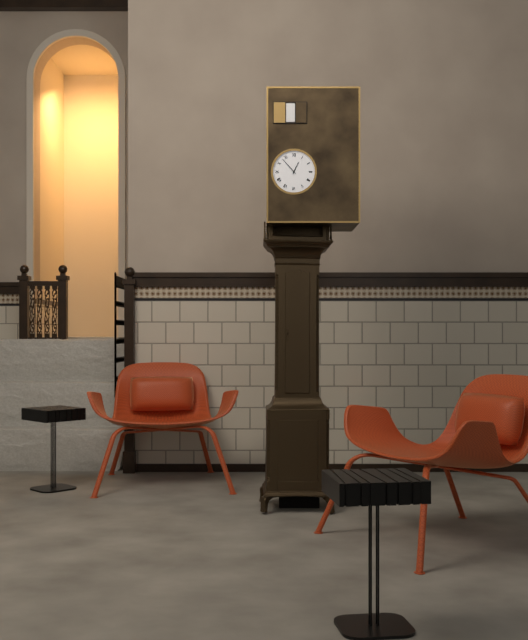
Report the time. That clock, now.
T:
12:53
